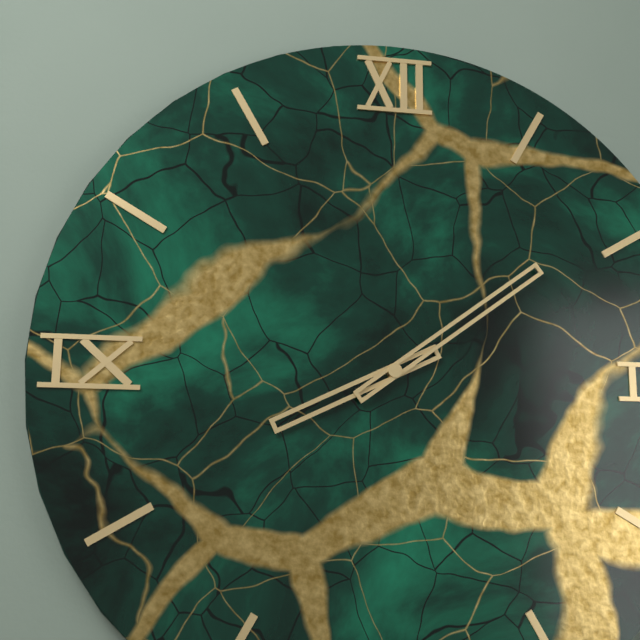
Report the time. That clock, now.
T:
8:09
